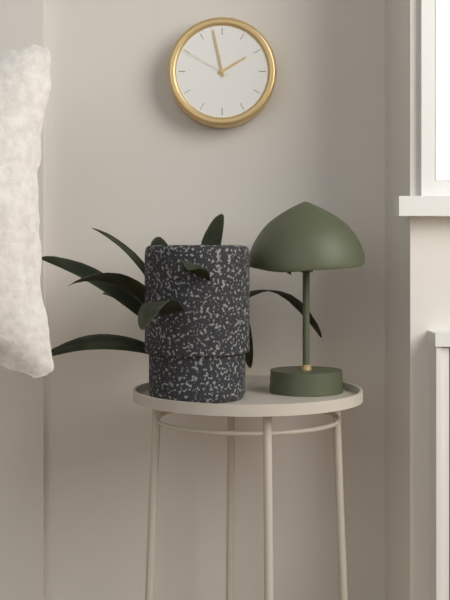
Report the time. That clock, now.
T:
1:58:50
